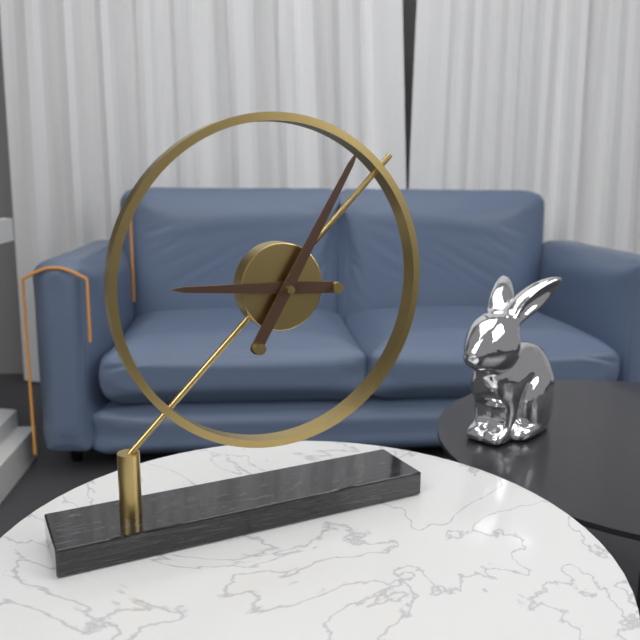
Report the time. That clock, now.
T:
9:05
